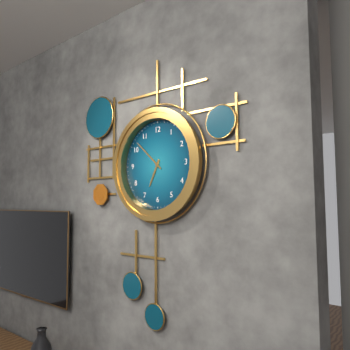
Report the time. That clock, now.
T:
6:52
